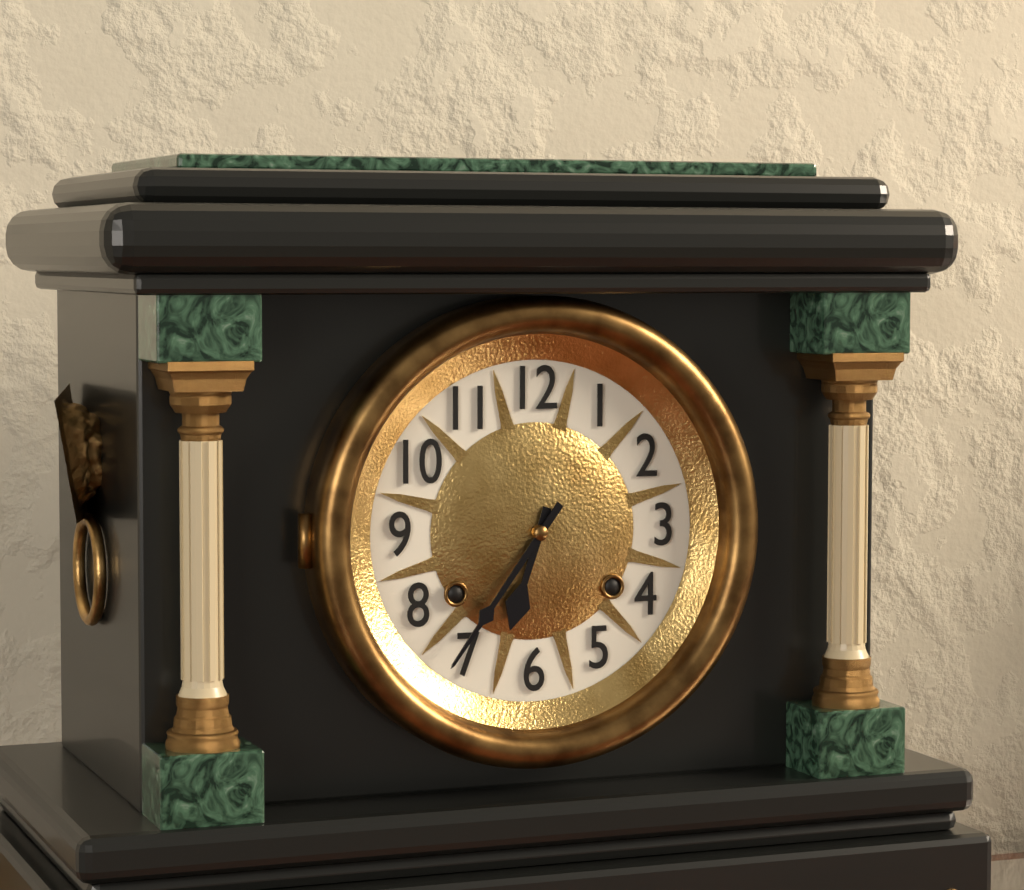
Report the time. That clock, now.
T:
6:36
